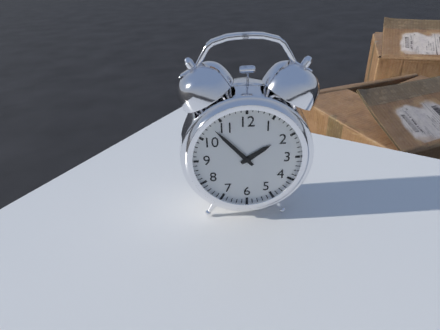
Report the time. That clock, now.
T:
1:53
